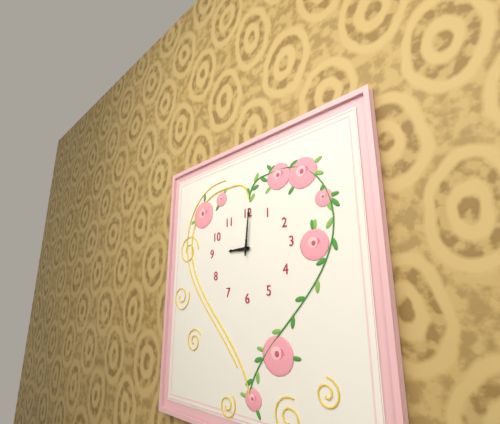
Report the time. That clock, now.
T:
9:01
